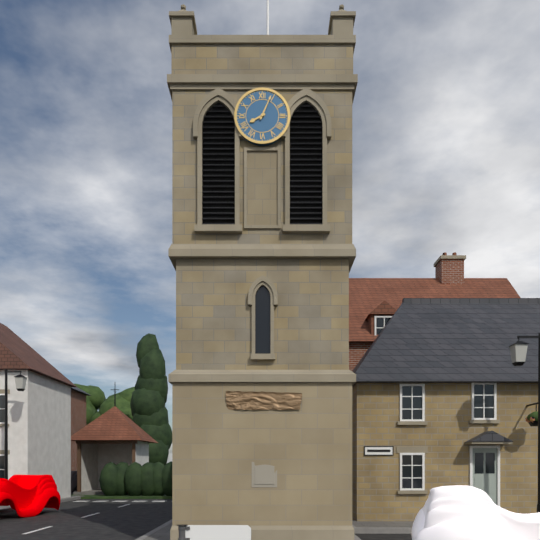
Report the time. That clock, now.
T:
8:04
